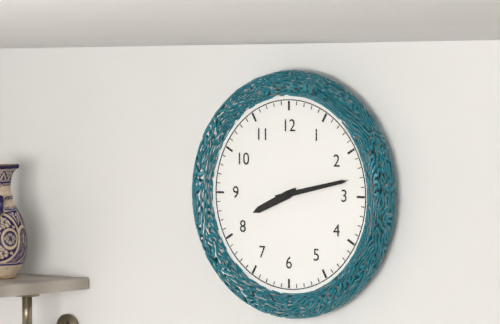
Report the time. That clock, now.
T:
8:13
